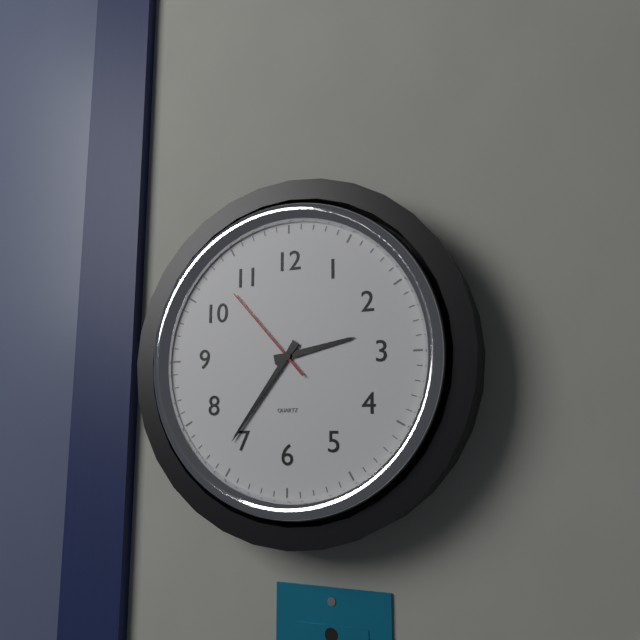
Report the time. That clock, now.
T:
2:36:53
